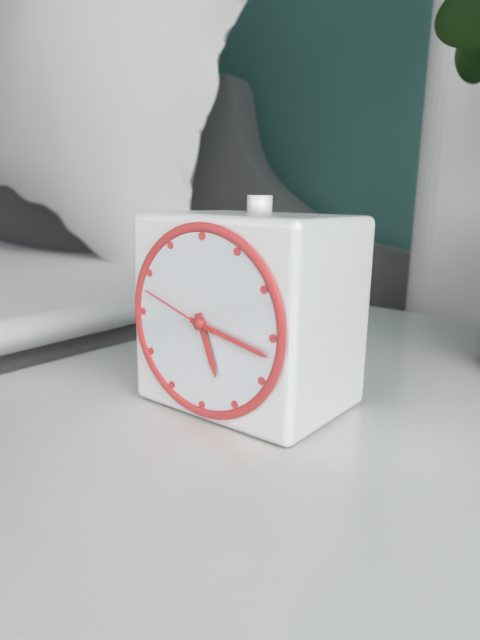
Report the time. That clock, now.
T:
5:17:48
